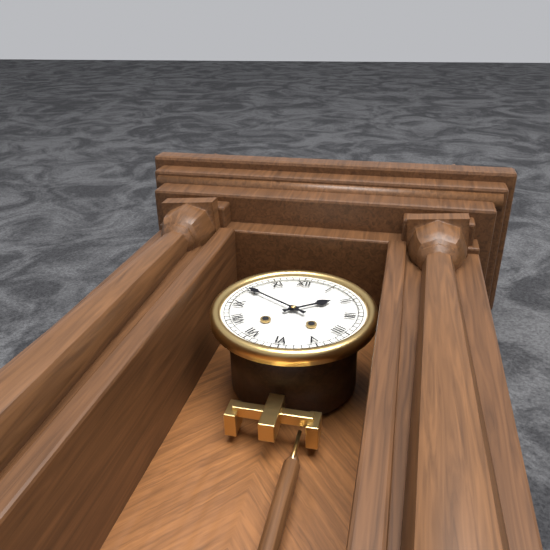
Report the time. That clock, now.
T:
1:50
